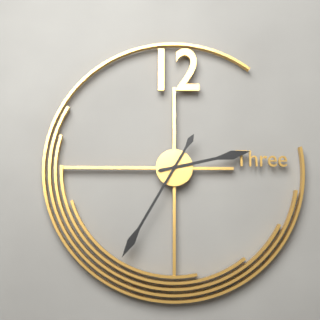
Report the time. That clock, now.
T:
2:35
